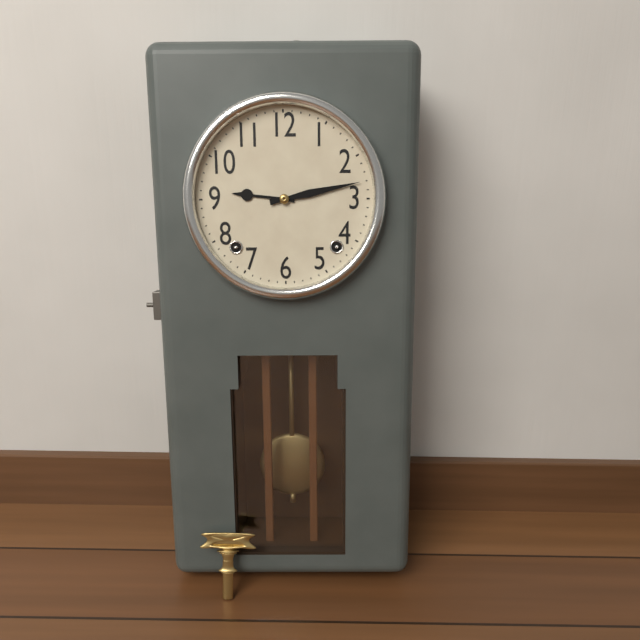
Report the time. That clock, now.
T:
9:13
